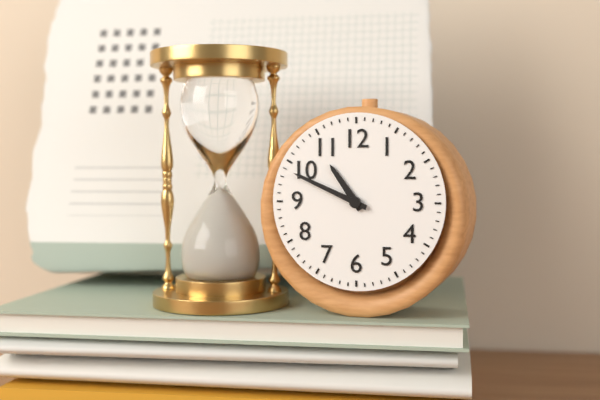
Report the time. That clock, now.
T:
10:49
